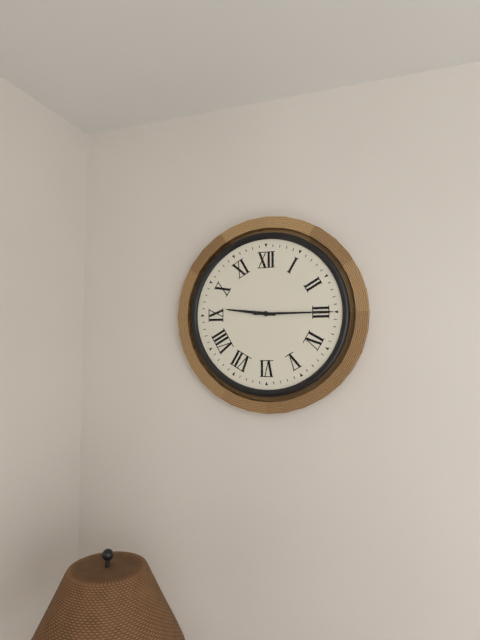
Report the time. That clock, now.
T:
9:15
